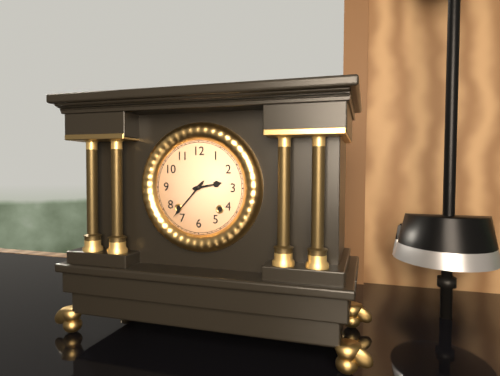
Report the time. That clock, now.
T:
2:37
